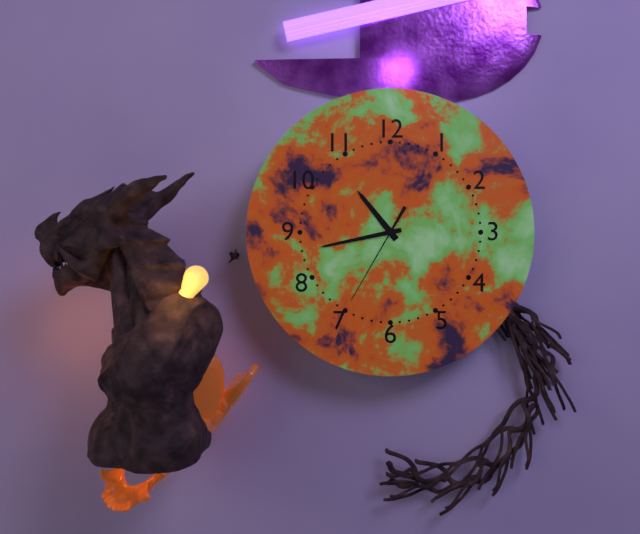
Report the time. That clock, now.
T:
10:43:35
